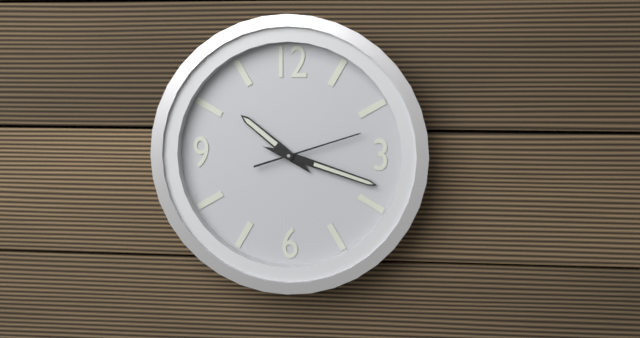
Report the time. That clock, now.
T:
10:18:12
